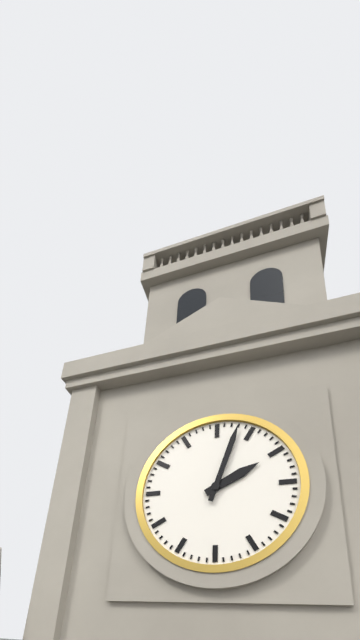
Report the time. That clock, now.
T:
2:03
